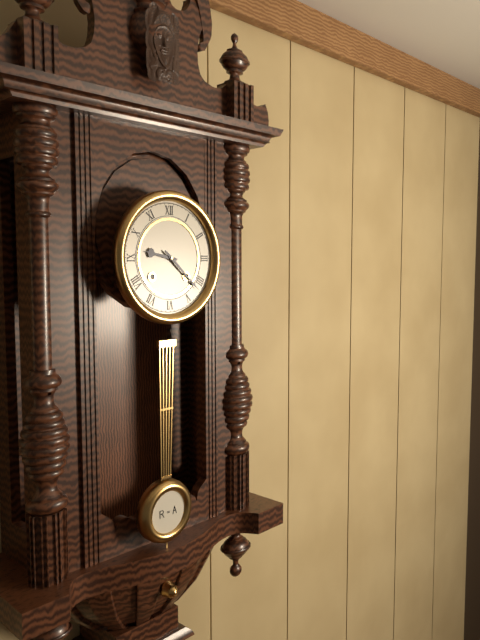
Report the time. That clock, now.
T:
9:22
